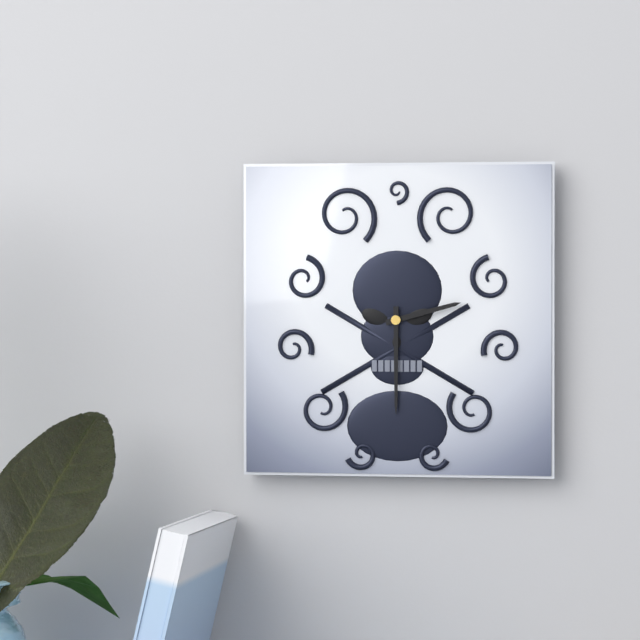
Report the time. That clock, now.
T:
2:30
